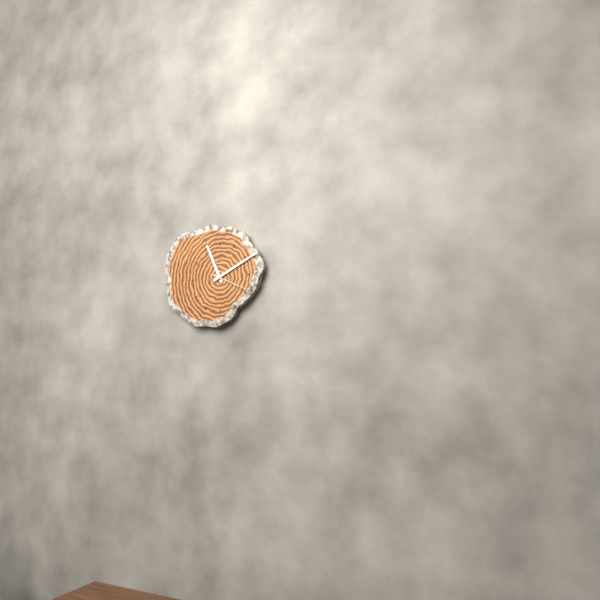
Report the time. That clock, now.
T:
11:11
